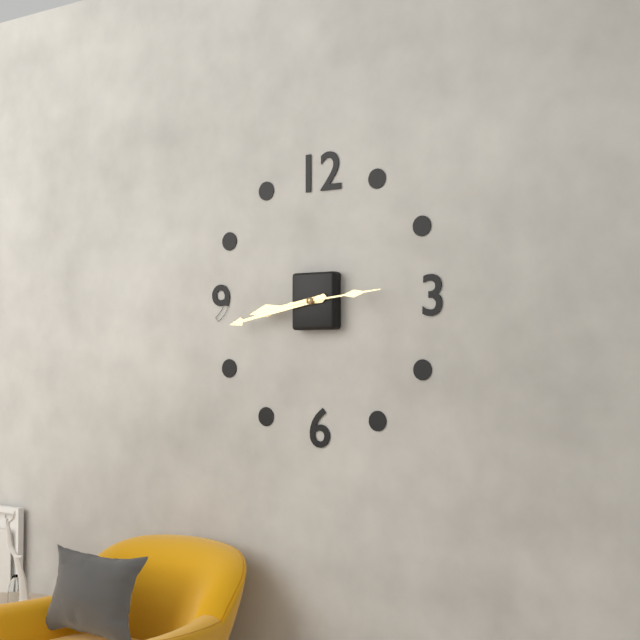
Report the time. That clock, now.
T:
8:43:14
